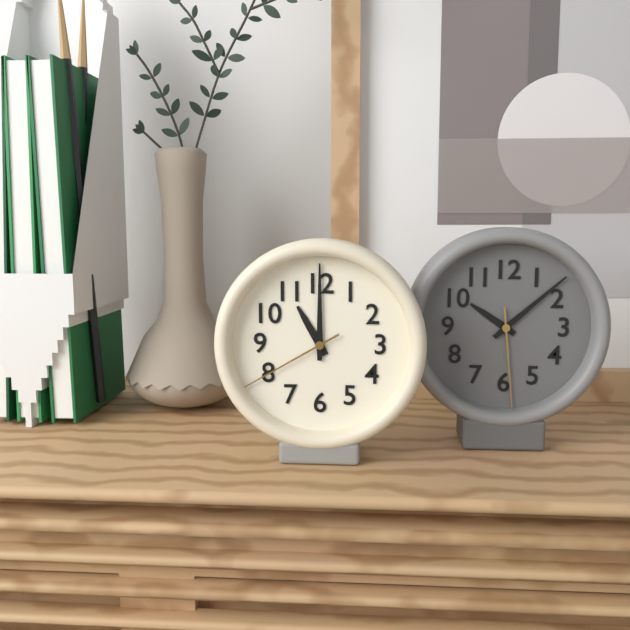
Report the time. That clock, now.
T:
11:00:40
